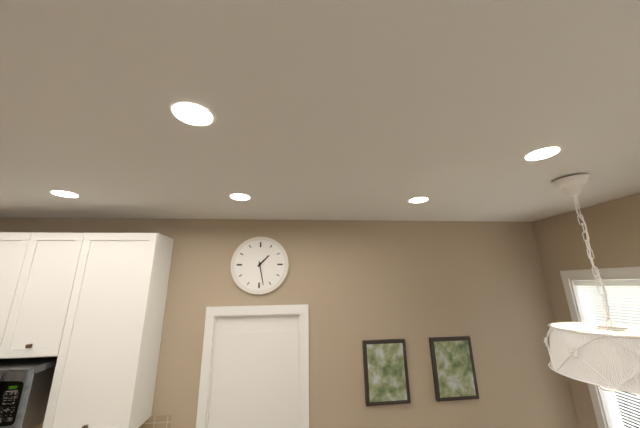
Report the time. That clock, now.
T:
1:28
